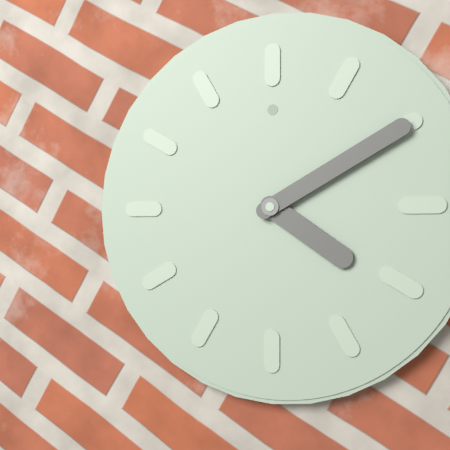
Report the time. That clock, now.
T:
4:10
